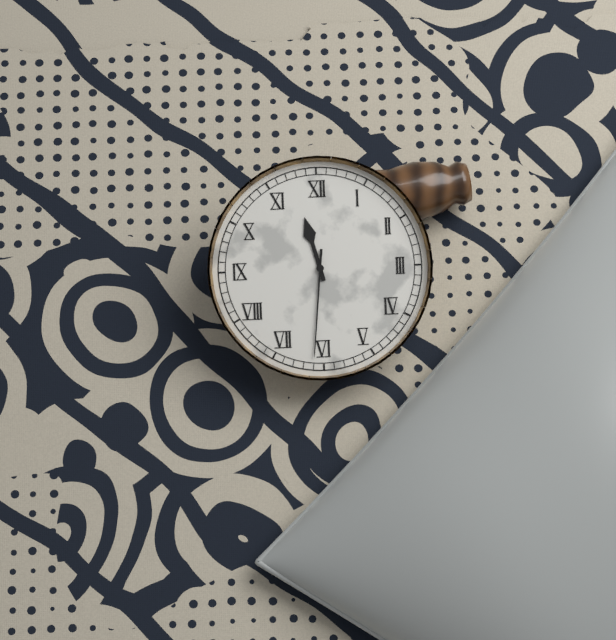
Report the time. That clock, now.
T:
11:31
